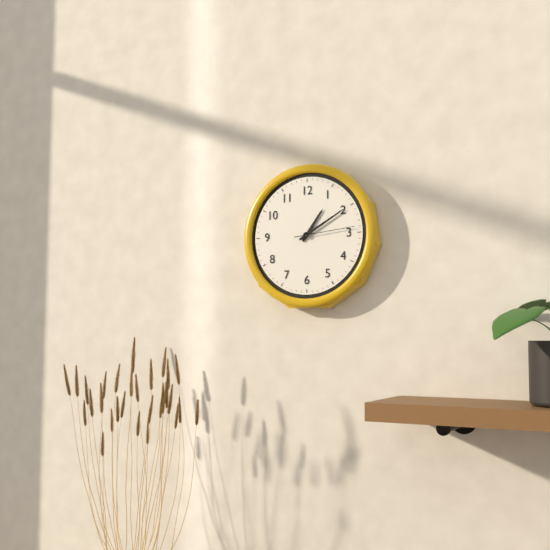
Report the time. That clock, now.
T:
1:10:14
